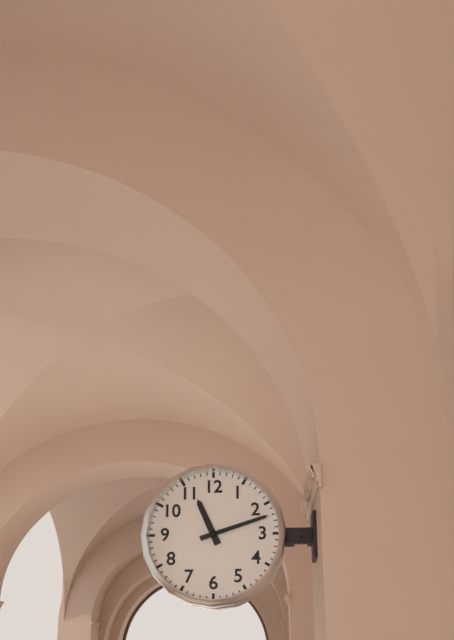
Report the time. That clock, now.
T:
11:12
